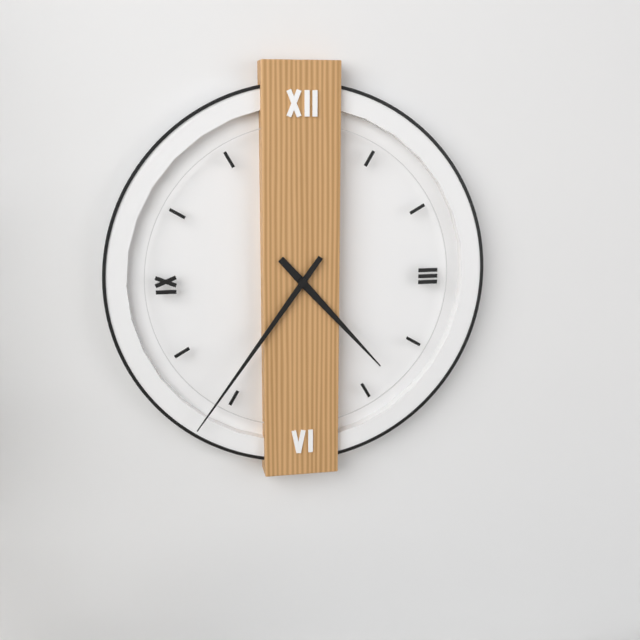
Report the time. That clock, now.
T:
4:36
